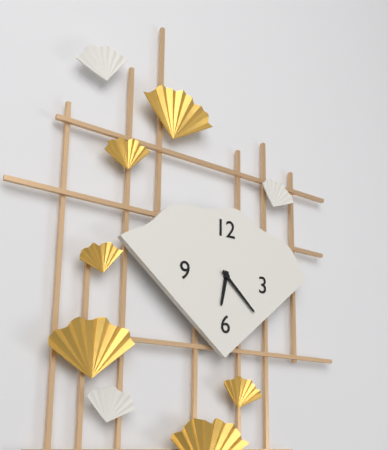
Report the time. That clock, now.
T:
6:22
